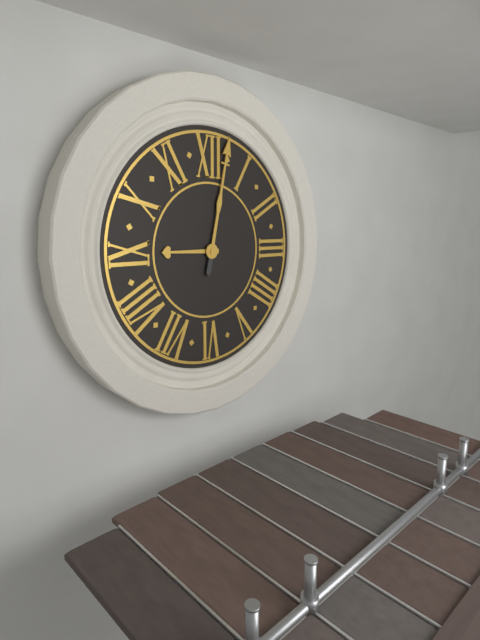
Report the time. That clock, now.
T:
9:02
